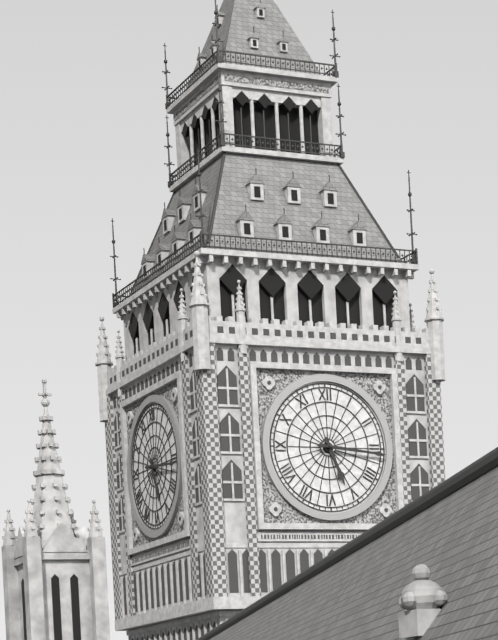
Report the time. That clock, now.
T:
5:16
